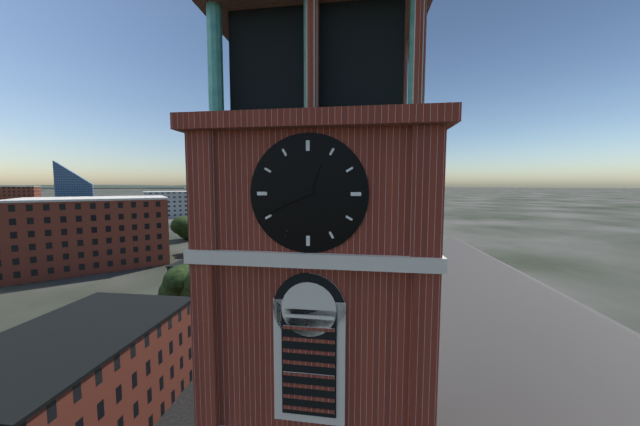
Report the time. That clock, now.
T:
12:41
